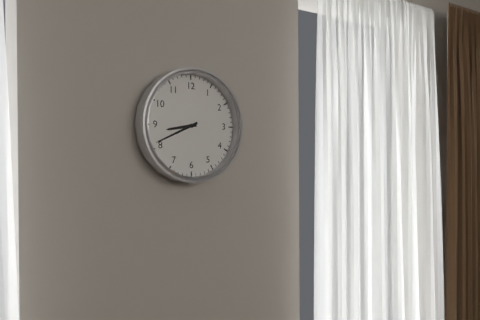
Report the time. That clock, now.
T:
8:41
